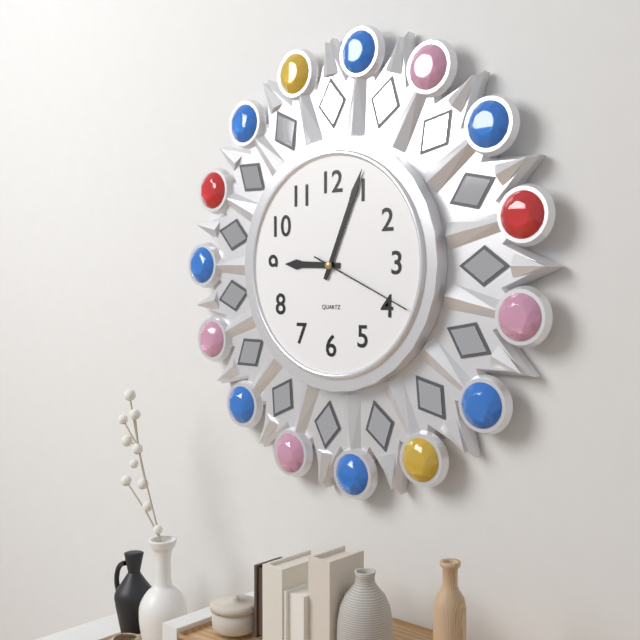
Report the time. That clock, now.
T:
9:04:19
